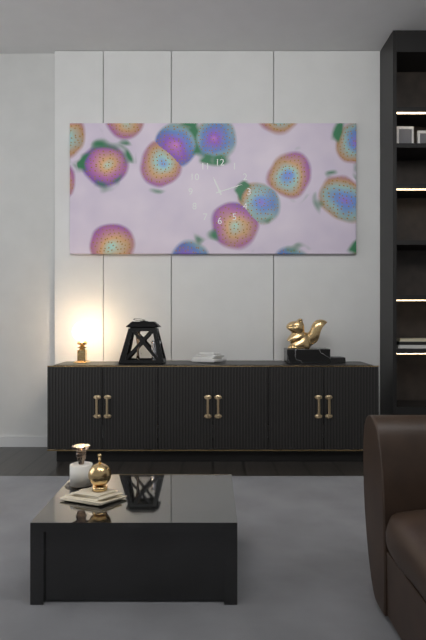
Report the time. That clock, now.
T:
11:12
